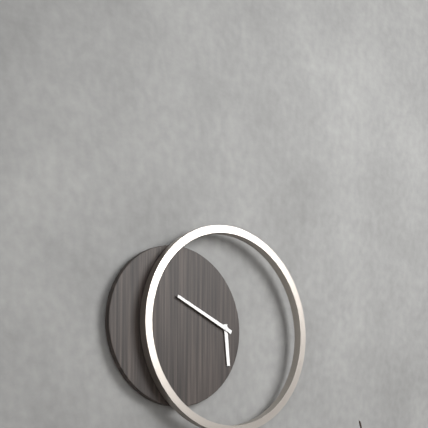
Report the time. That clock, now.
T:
5:49
